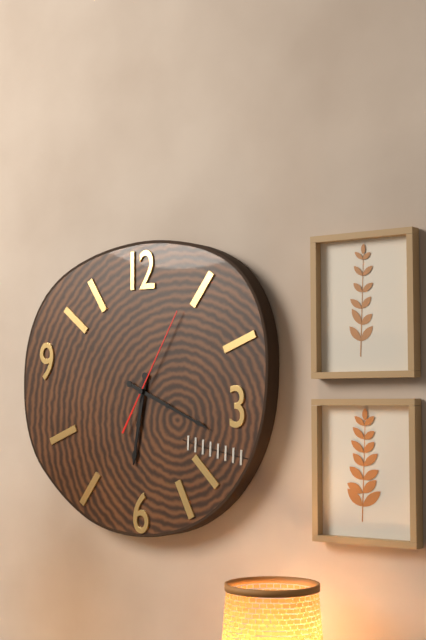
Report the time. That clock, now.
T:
6:19:05
